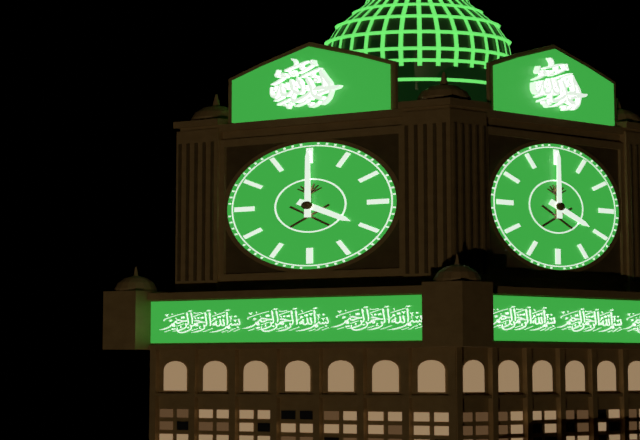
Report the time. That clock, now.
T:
4:00
